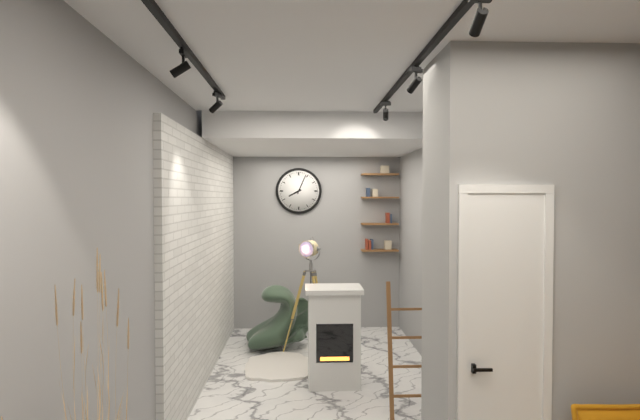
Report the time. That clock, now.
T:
8:04
